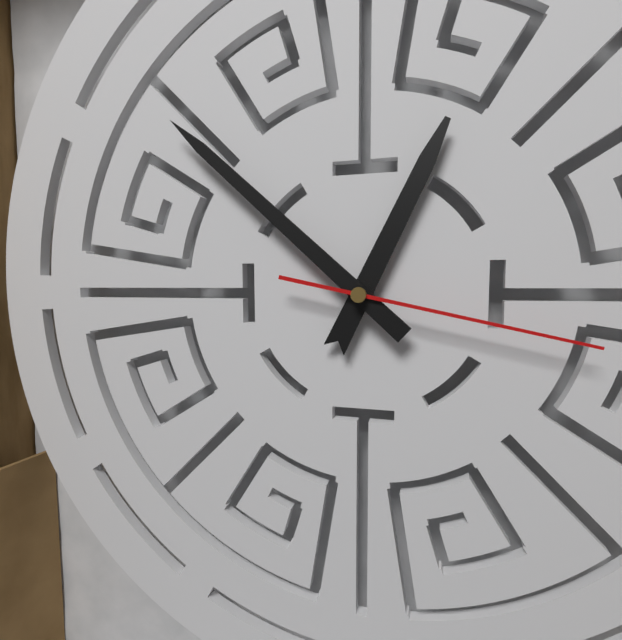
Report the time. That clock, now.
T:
12:52:17
